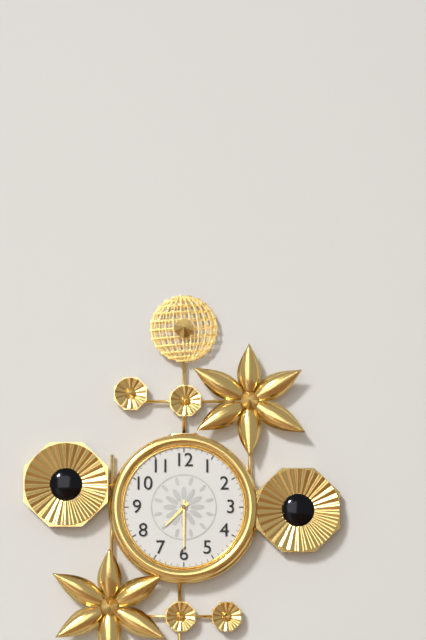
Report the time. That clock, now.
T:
7:30
